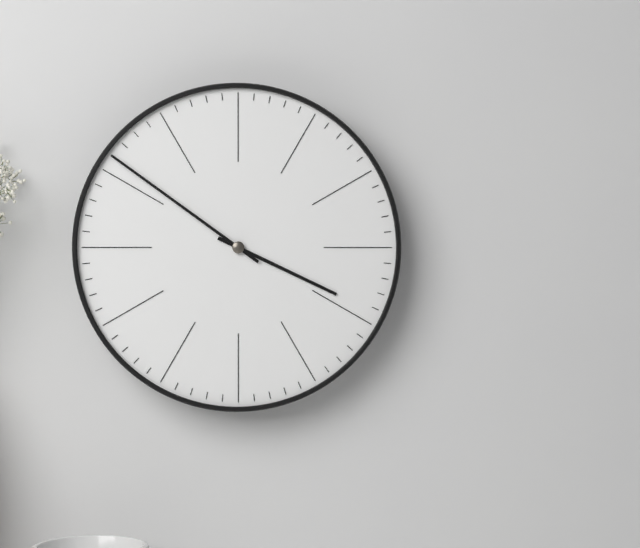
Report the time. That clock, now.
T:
3:51
